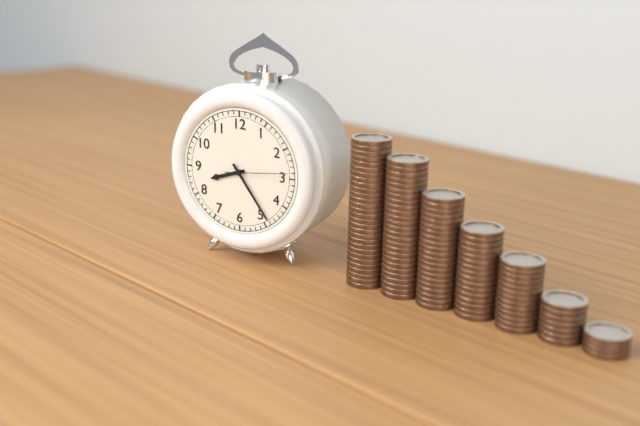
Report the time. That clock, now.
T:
8:24:14
